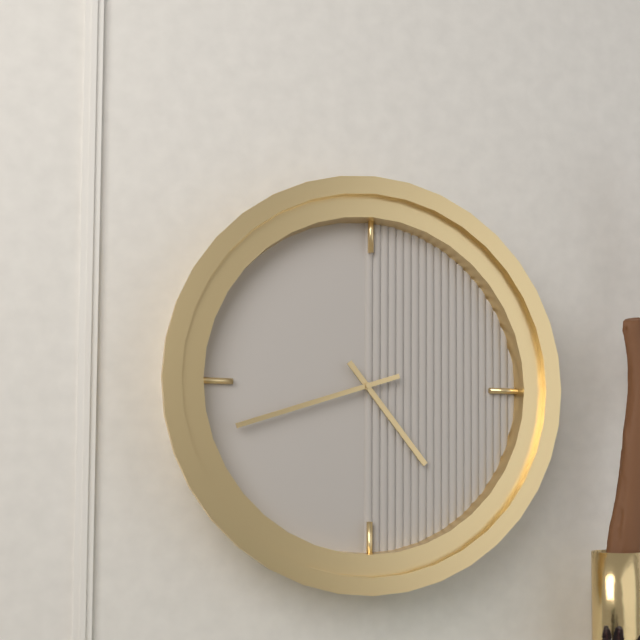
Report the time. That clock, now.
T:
4:42
